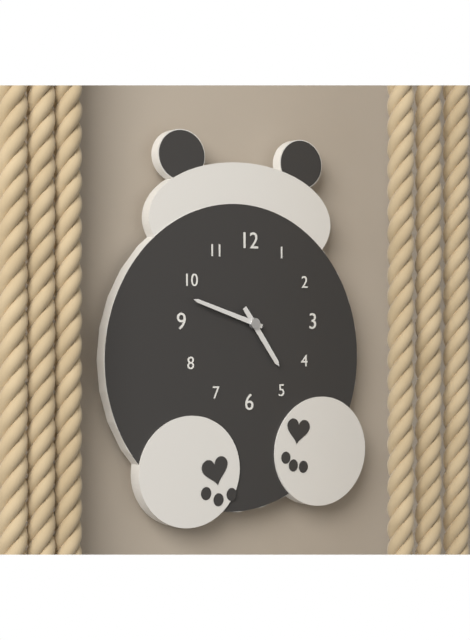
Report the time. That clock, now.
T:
4:48
